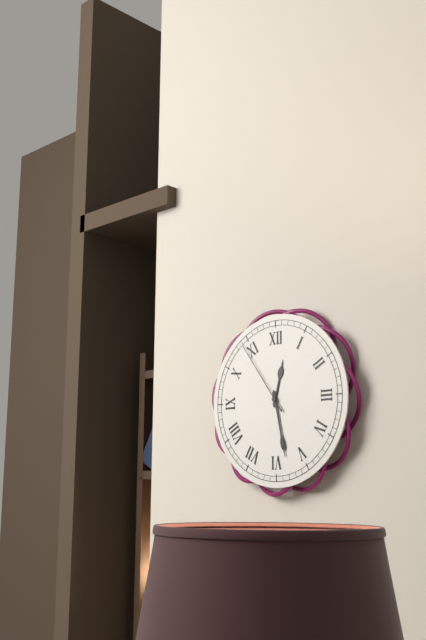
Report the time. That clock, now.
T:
12:28:54
